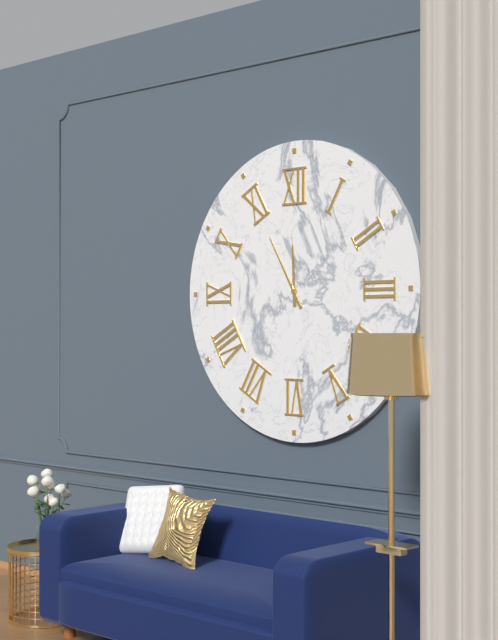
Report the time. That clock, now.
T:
11:55
